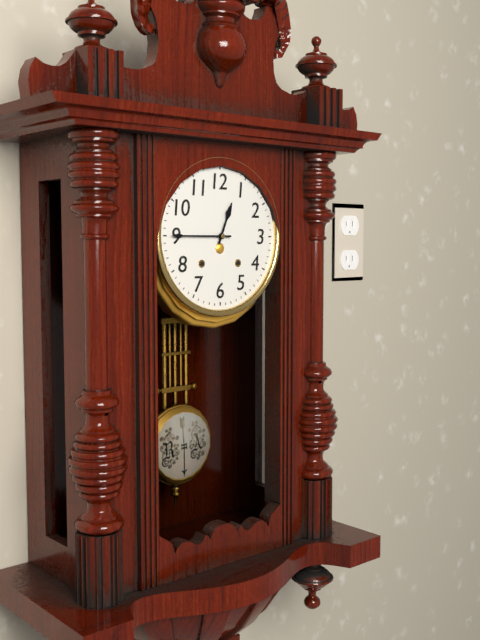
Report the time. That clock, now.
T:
12:45
